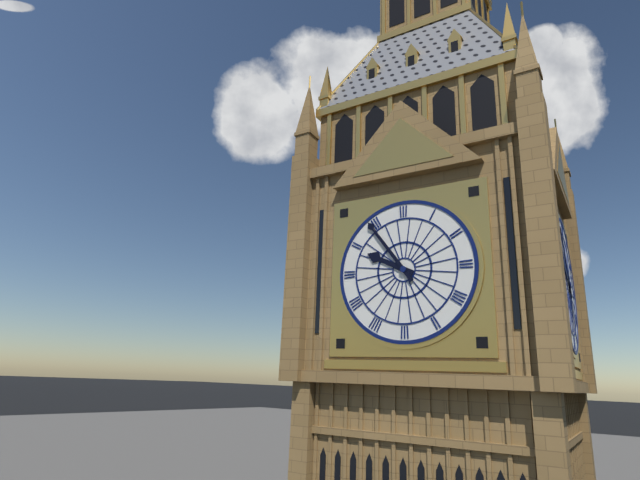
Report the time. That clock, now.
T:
9:54
